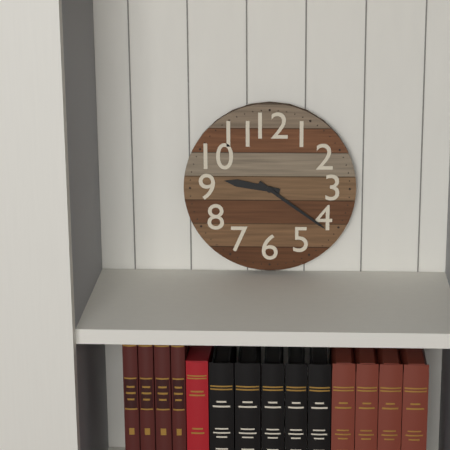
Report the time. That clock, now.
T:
9:21
